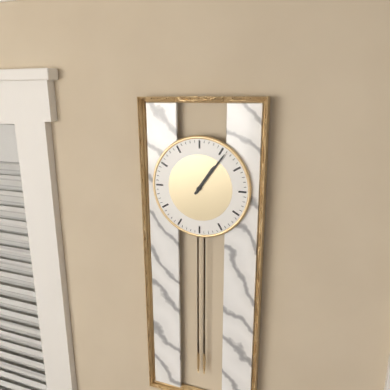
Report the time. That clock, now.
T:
1:06
